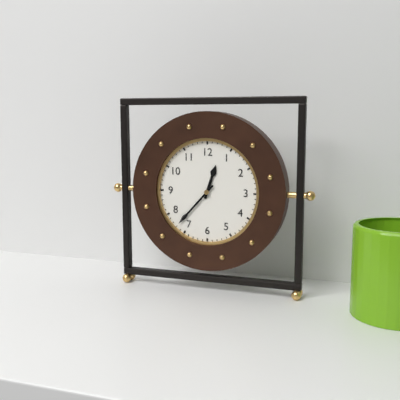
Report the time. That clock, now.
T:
12:37
